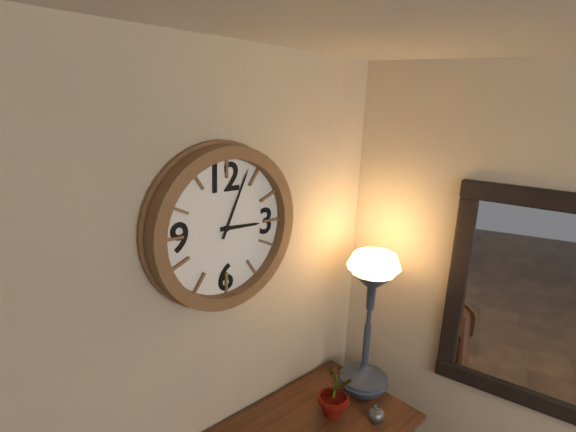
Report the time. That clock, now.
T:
3:04
